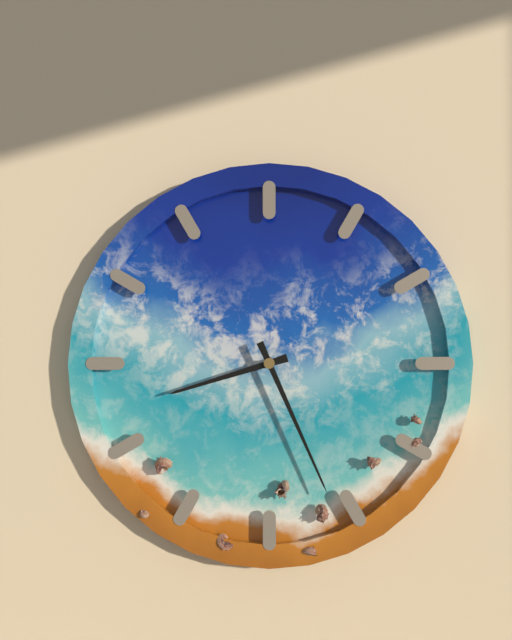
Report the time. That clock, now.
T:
8:26
